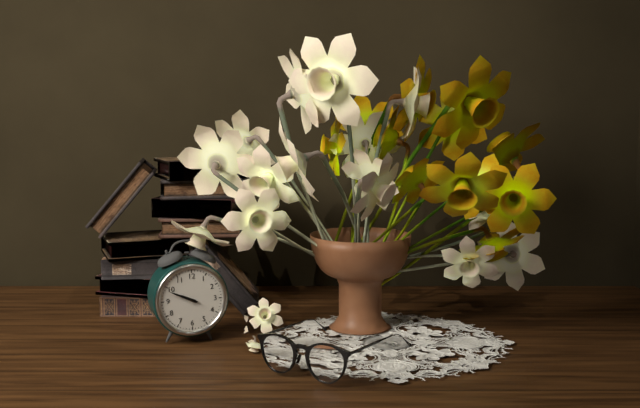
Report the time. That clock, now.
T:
9:49
